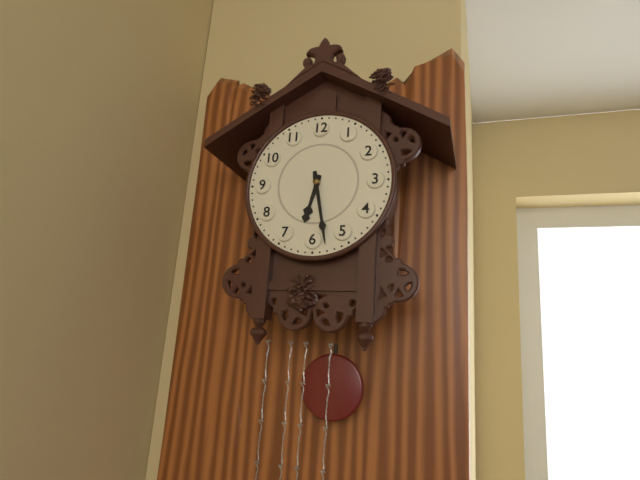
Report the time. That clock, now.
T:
6:28
